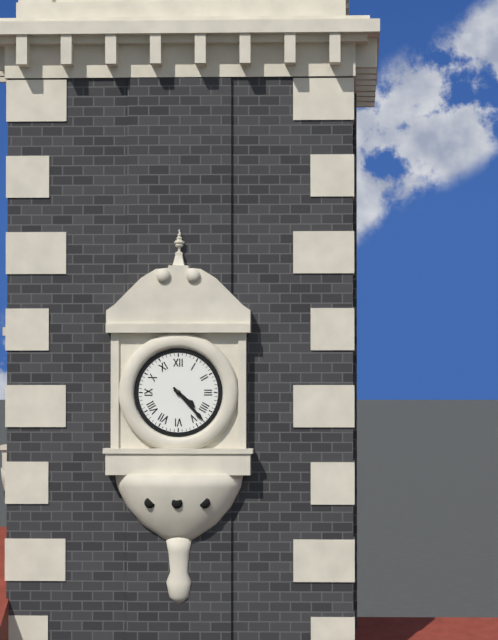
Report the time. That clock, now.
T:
4:23
